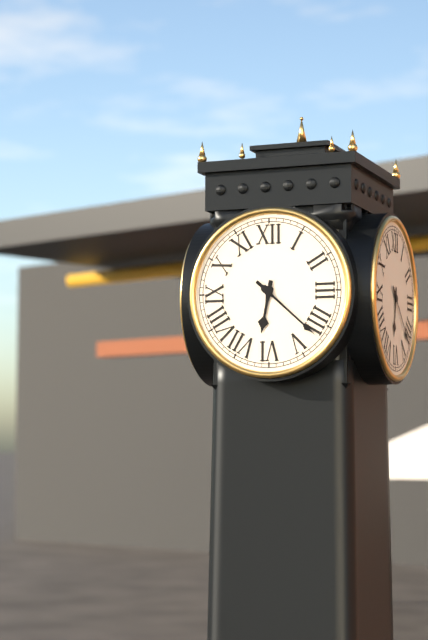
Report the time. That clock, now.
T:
6:22
